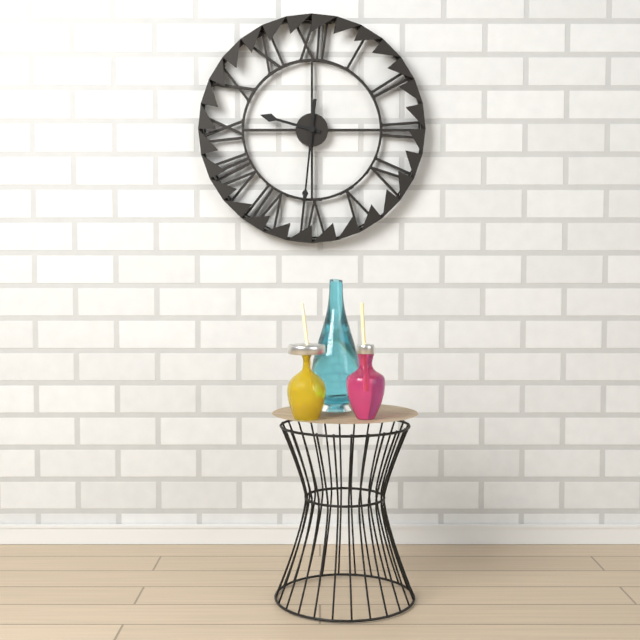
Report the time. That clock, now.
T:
9:31
